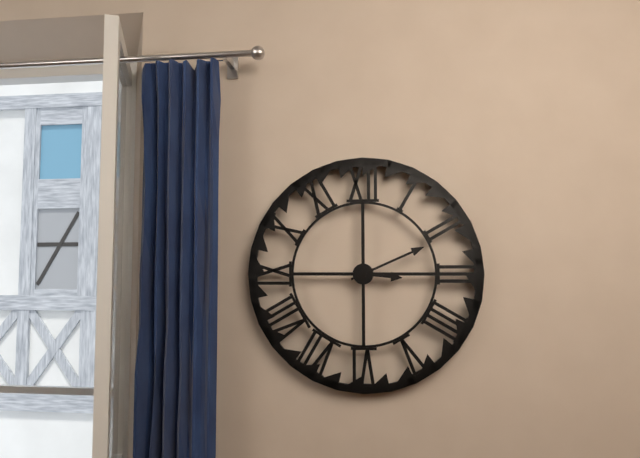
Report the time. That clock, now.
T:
3:11
